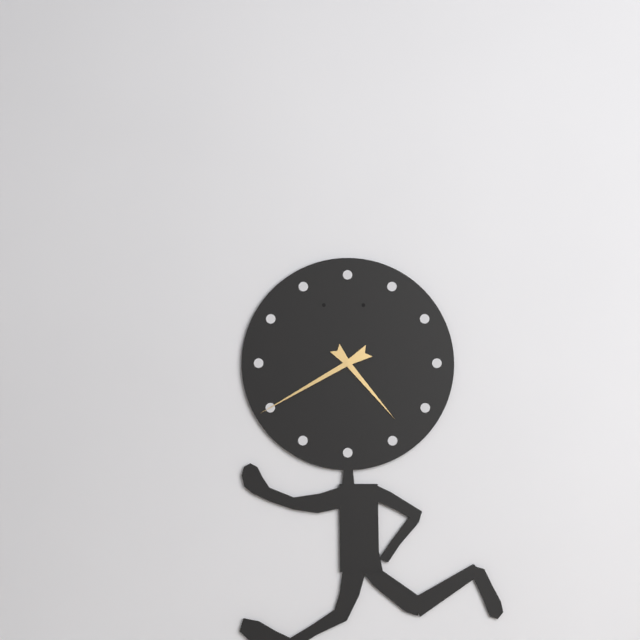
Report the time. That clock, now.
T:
4:40
